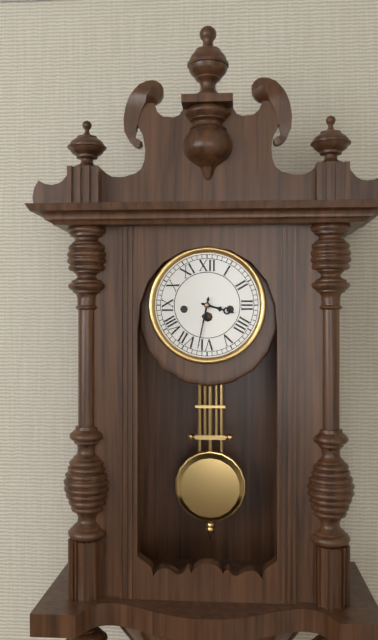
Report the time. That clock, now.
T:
3:32
